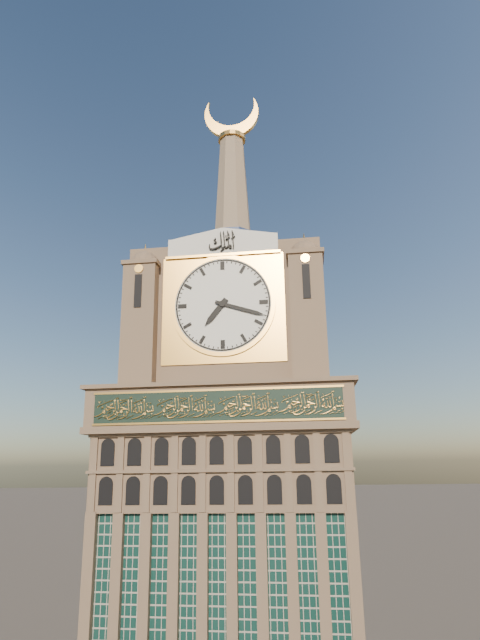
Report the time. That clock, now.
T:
7:18
